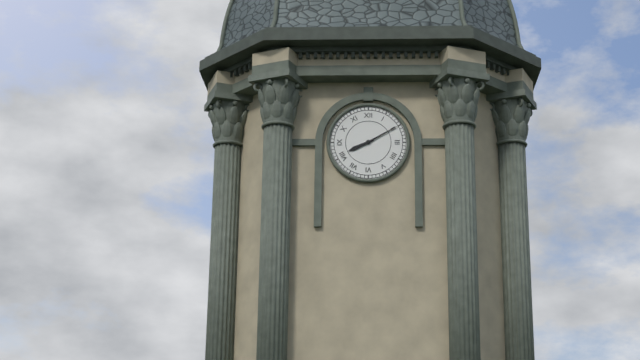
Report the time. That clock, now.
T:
8:10
